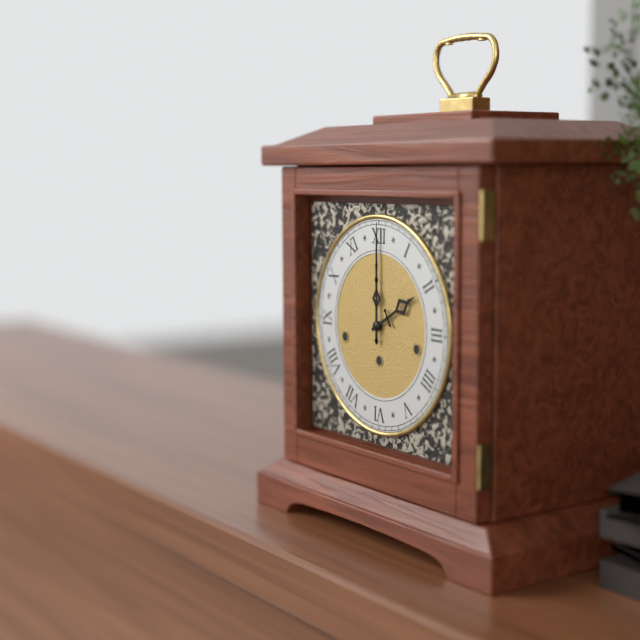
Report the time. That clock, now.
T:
2:00
